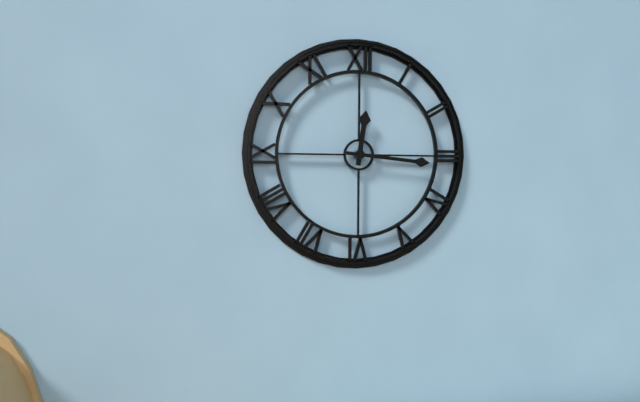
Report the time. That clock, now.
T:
12:16
